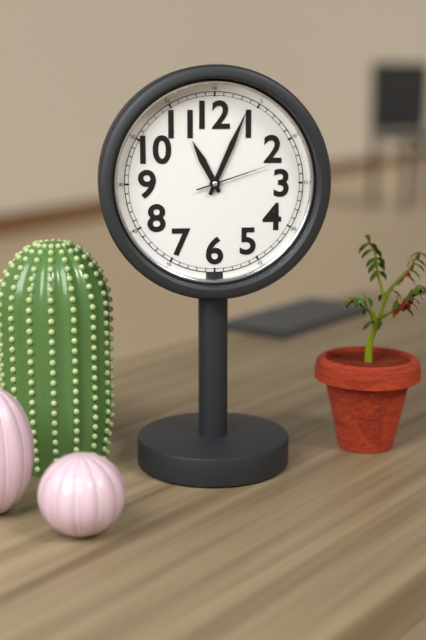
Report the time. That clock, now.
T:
11:04:12
